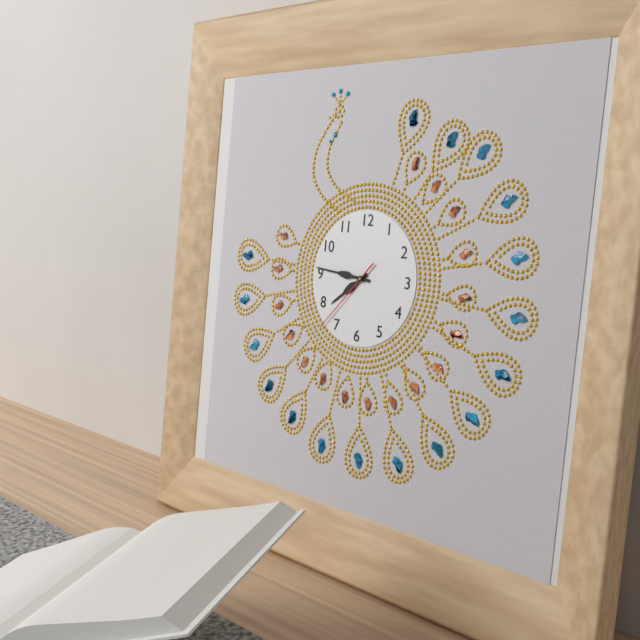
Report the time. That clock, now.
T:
7:46:37
